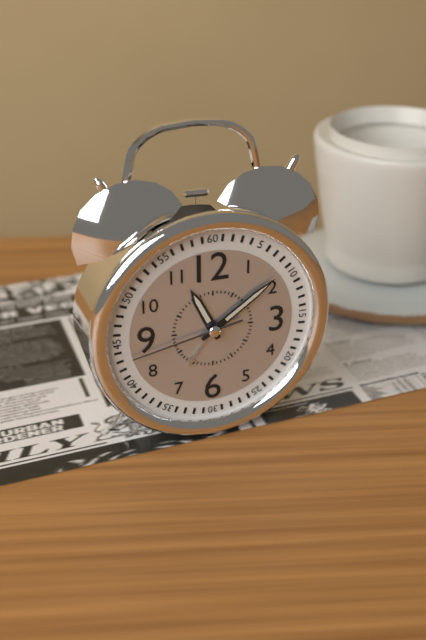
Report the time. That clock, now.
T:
11:09:43
